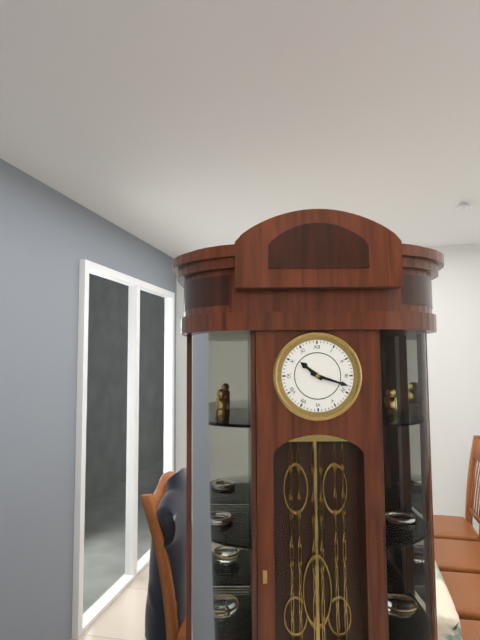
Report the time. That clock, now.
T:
10:18
